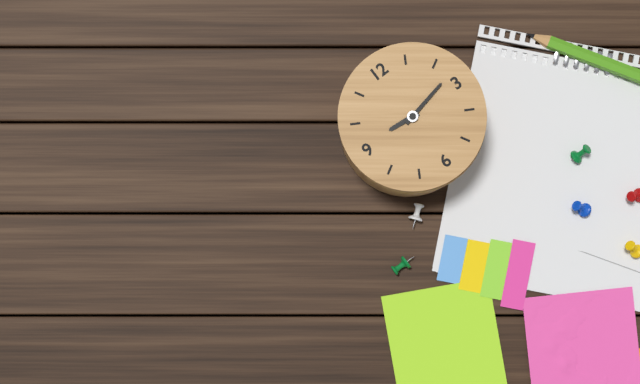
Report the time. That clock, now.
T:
9:13
